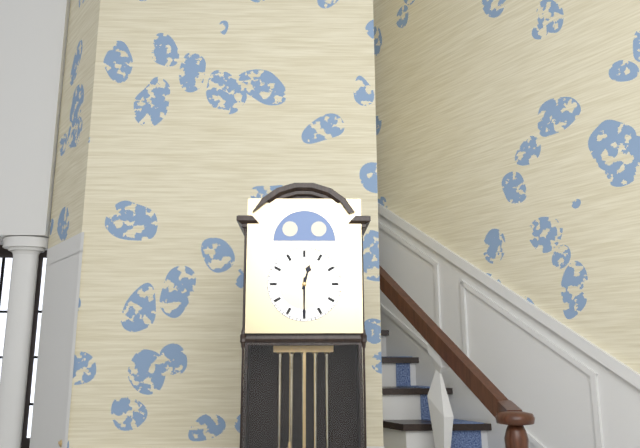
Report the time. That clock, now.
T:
12:30
